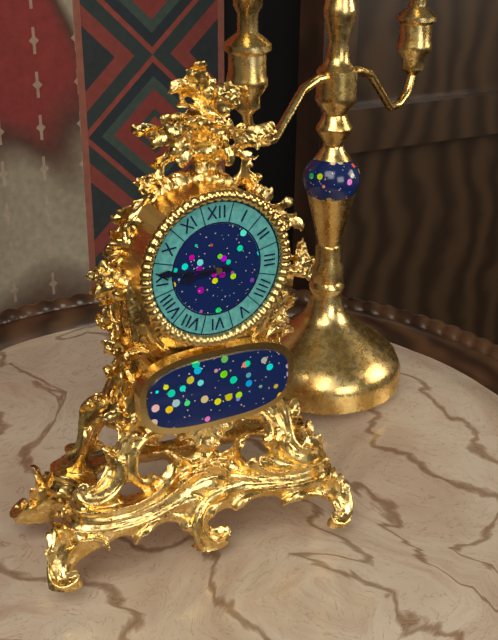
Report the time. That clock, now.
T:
8:46
